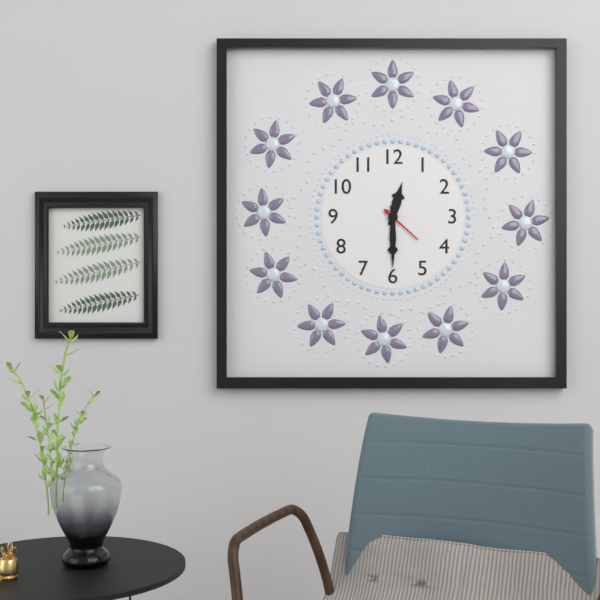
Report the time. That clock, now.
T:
12:30
